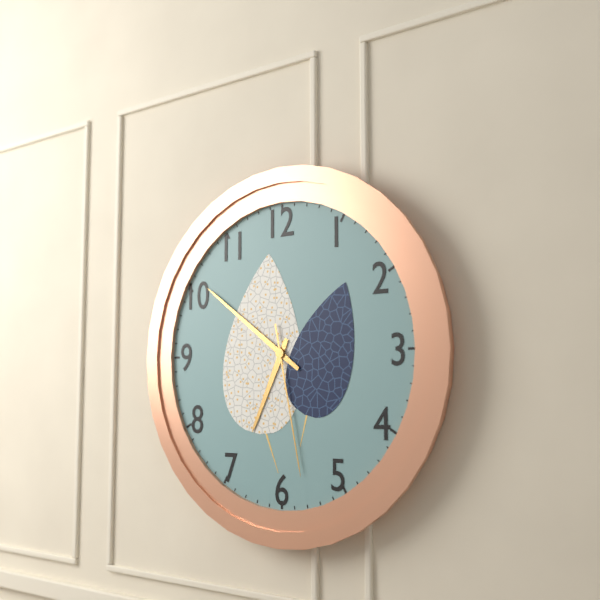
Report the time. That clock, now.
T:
6:51:28
